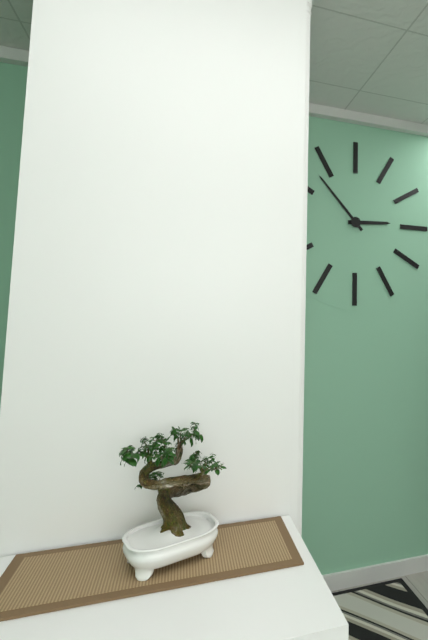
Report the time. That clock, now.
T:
2:53
